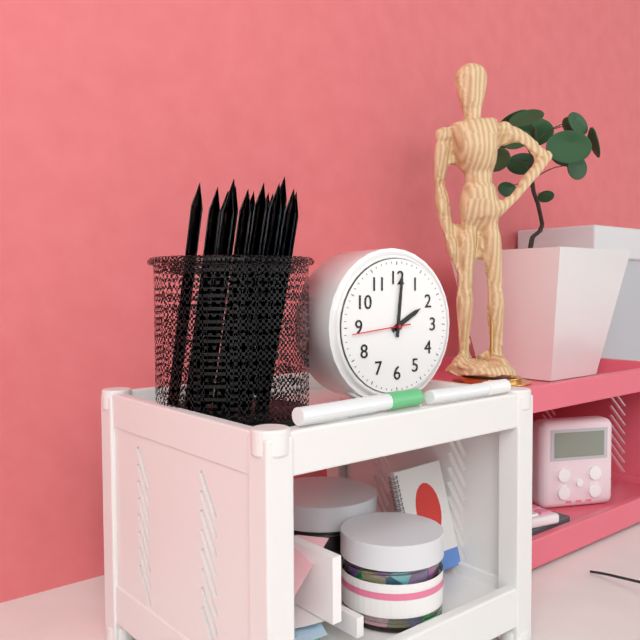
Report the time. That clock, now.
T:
2:01:44
